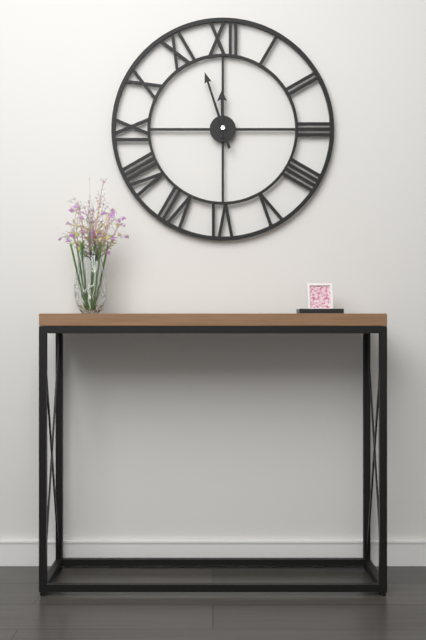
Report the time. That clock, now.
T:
11:57
